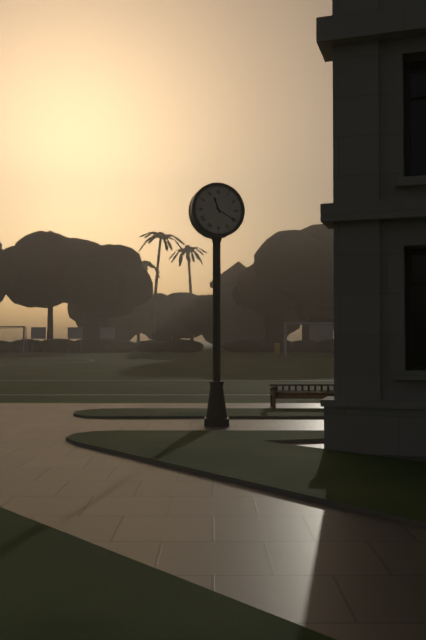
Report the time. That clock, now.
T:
11:20
